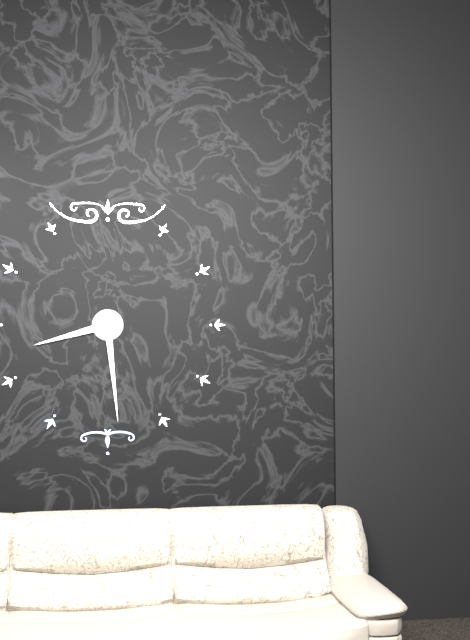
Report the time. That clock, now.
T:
8:29
